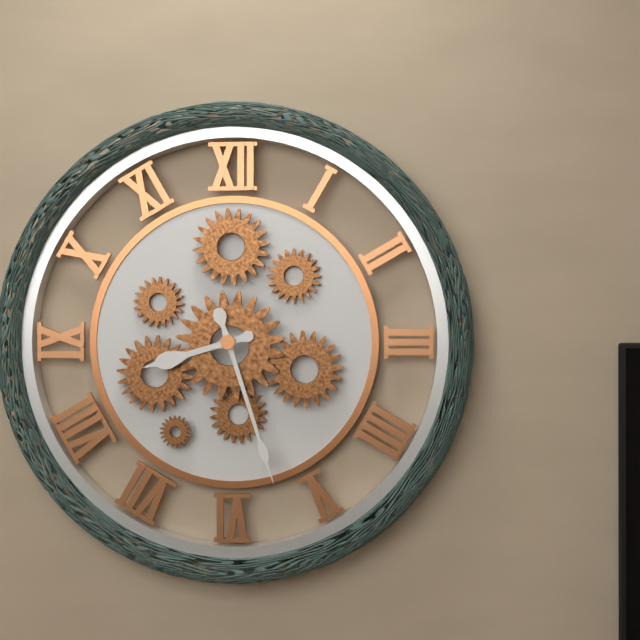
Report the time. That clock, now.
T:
8:27
